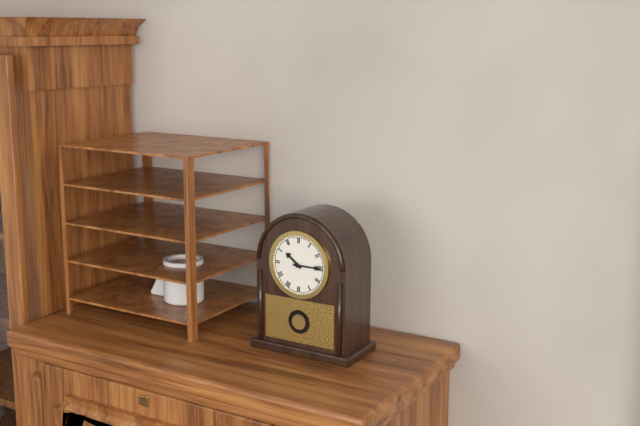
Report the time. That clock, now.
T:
10:15
